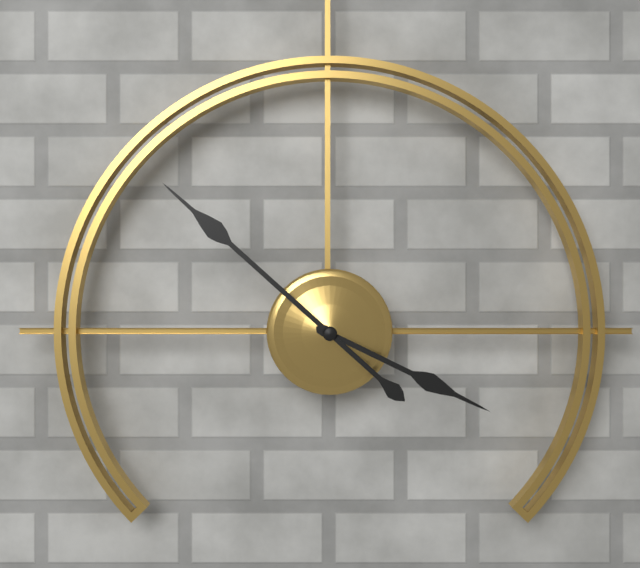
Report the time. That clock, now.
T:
3:52
